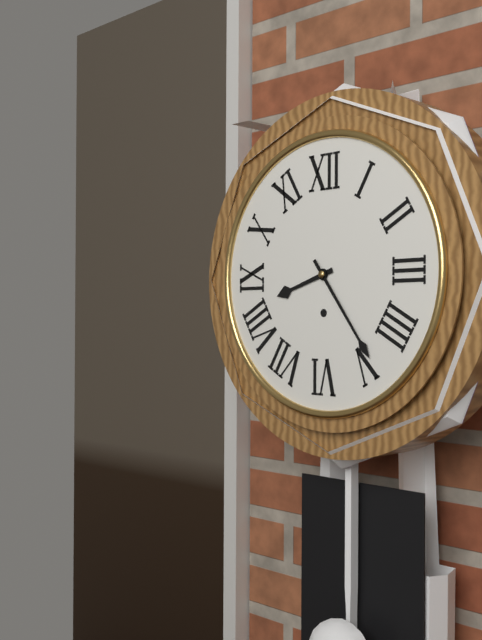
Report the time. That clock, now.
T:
8:24
